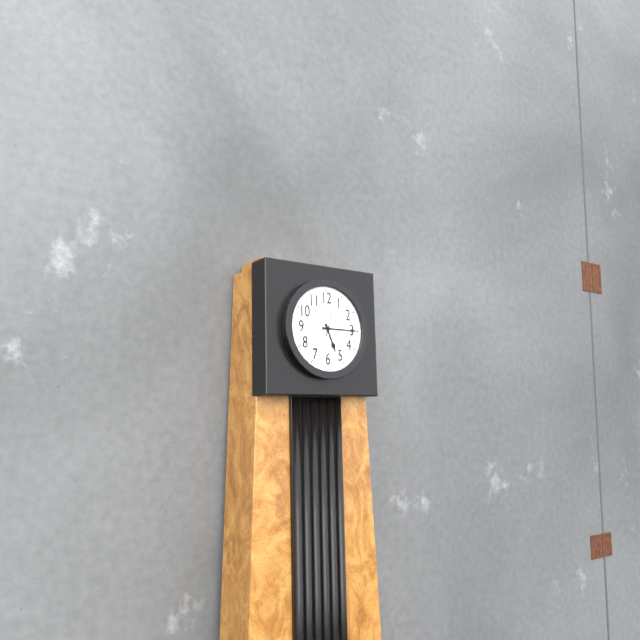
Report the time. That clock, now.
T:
5:15
